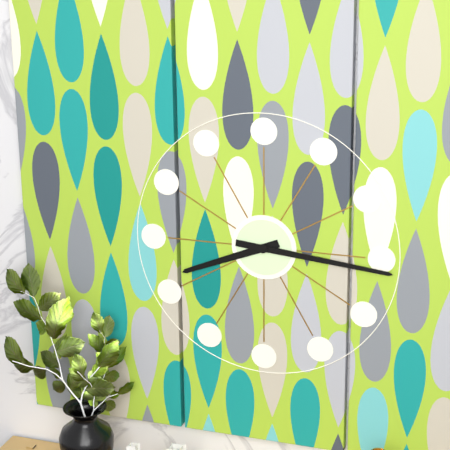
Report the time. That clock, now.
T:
8:16
